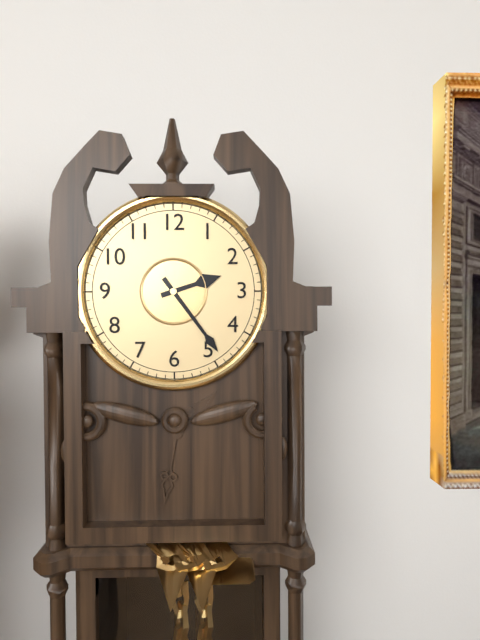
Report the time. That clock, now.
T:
2:24
